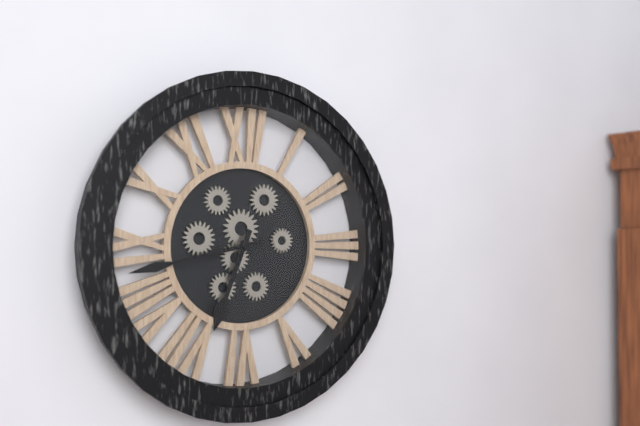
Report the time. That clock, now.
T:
6:43
